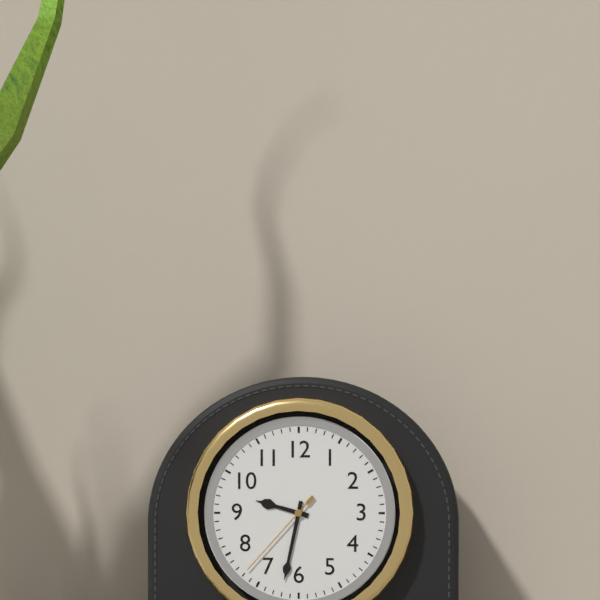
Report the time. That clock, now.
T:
9:32:37
